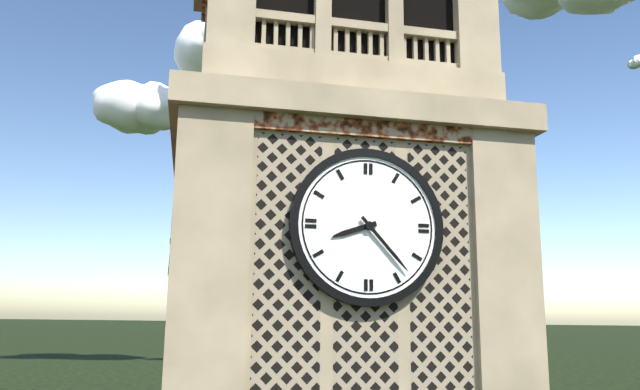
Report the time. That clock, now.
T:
8:23
